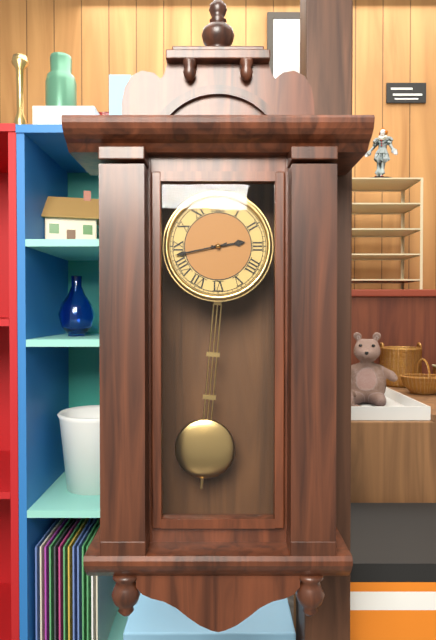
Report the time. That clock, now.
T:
2:43
